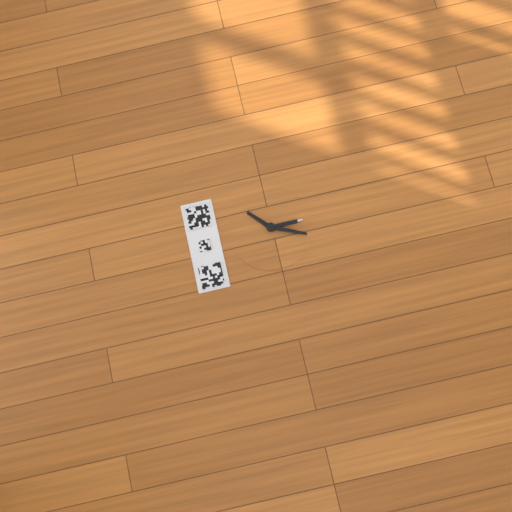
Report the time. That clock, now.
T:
1:34
